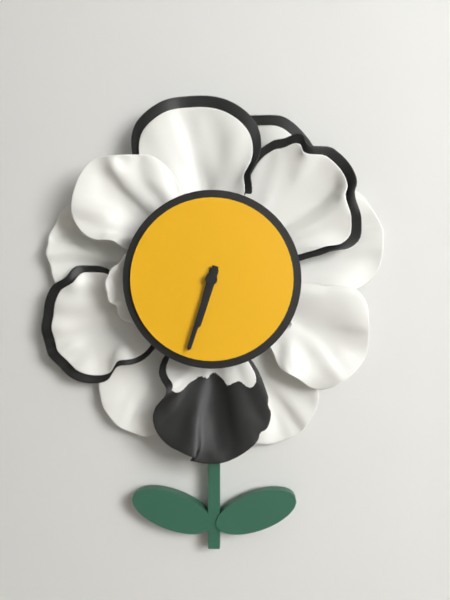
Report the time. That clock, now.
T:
6:33
